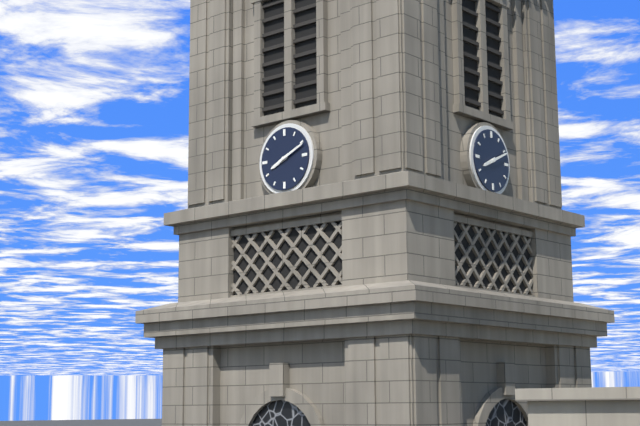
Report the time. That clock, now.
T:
8:11
